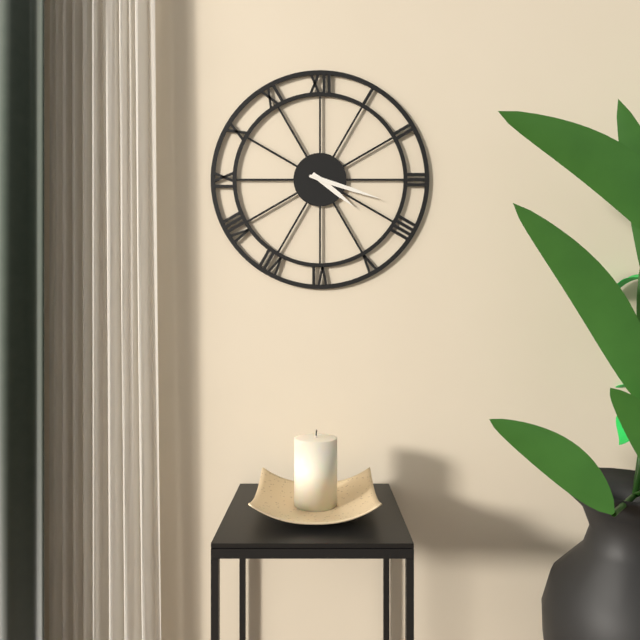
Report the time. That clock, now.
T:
4:18
